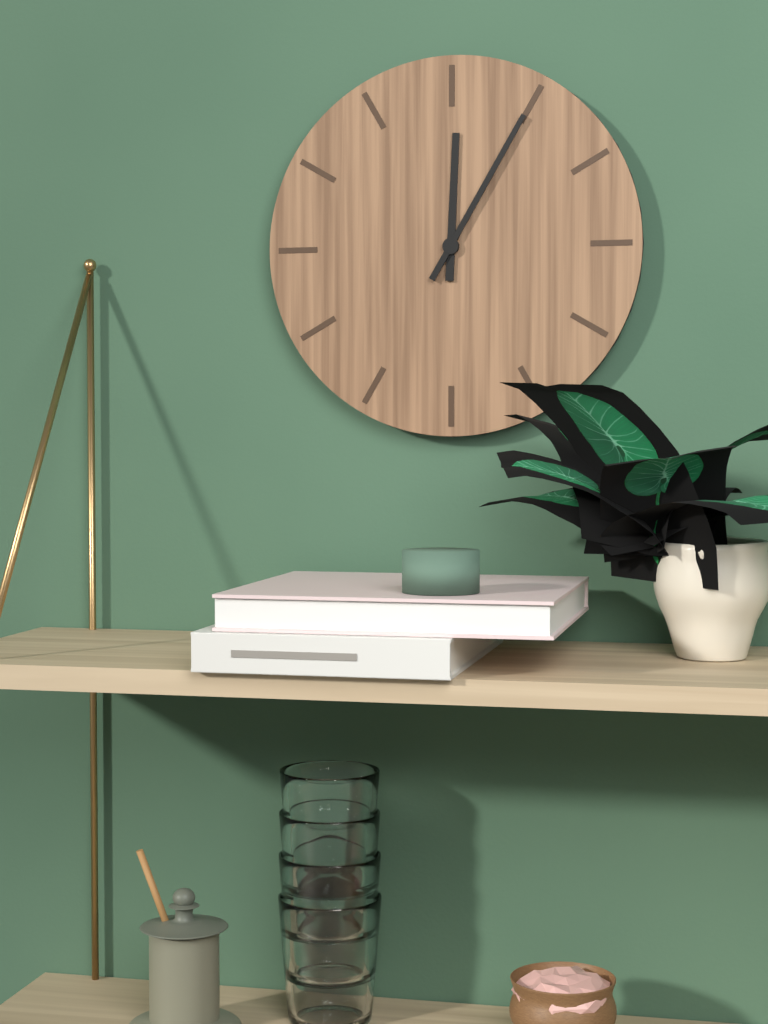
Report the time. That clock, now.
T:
12:05
